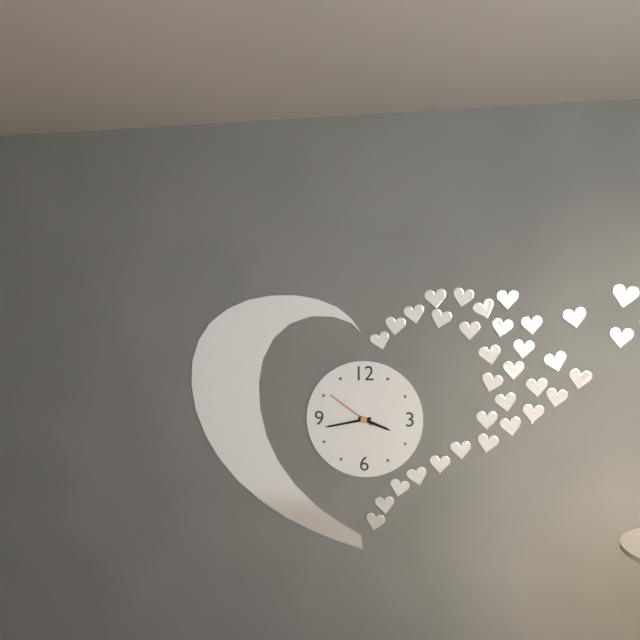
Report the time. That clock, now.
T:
3:43:51
